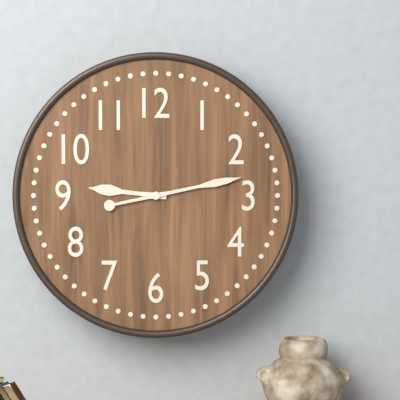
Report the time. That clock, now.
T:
9:13
